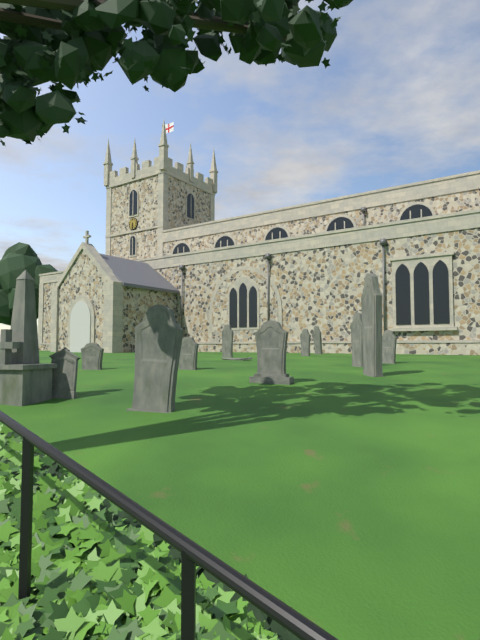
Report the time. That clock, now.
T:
6:29
